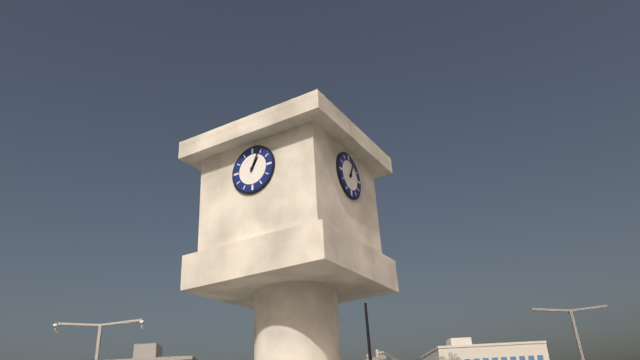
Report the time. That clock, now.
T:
1:04
